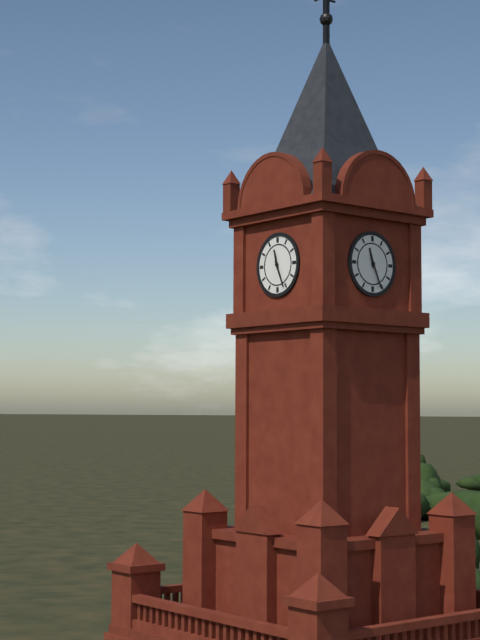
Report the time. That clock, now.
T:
11:26
